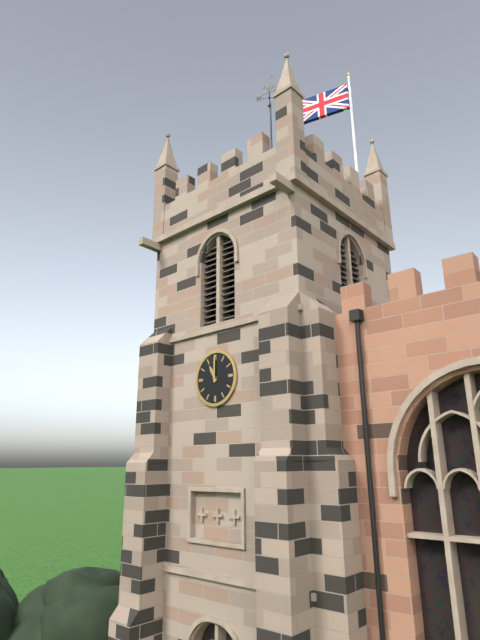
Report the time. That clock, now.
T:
11:00
